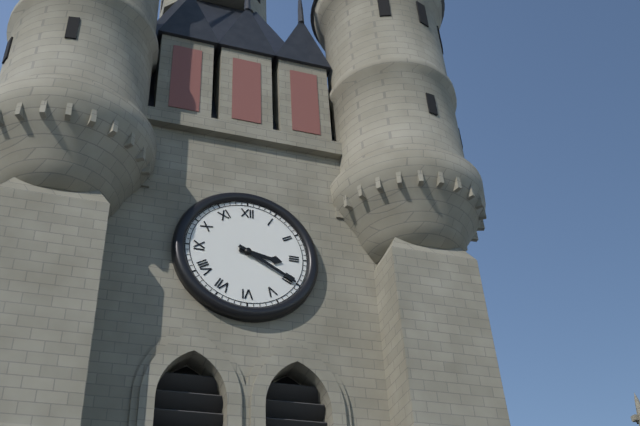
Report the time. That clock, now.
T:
3:20
